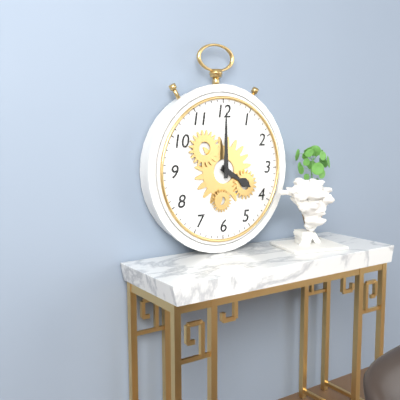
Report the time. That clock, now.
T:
4:00
